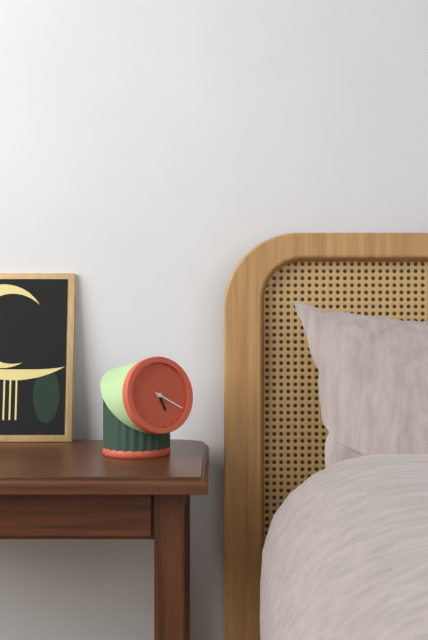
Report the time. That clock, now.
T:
5:20
